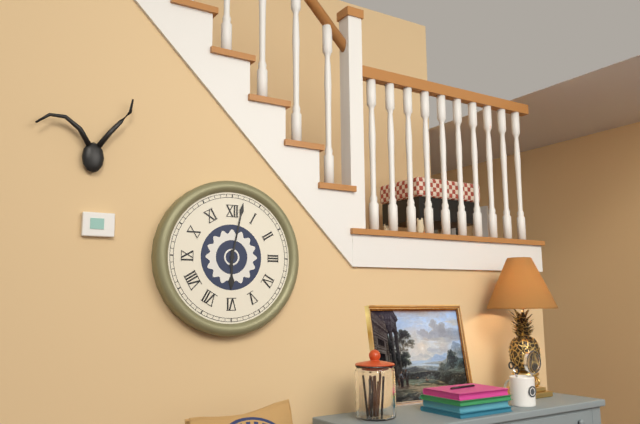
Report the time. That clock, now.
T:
6:02
